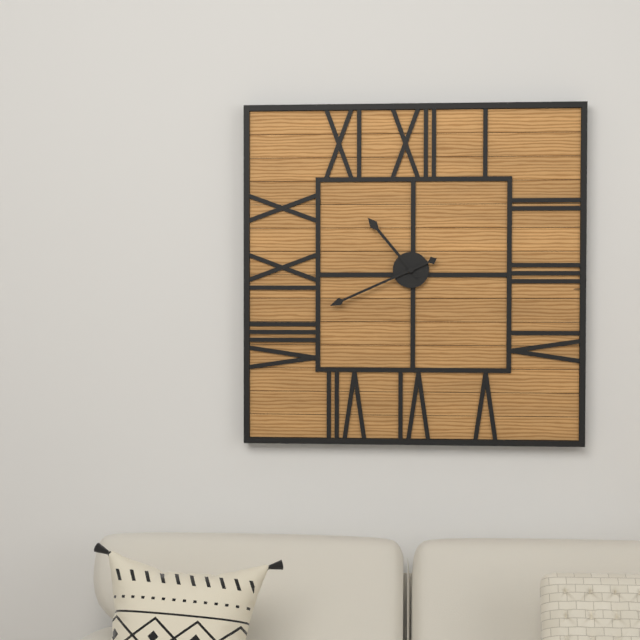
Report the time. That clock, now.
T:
10:41
